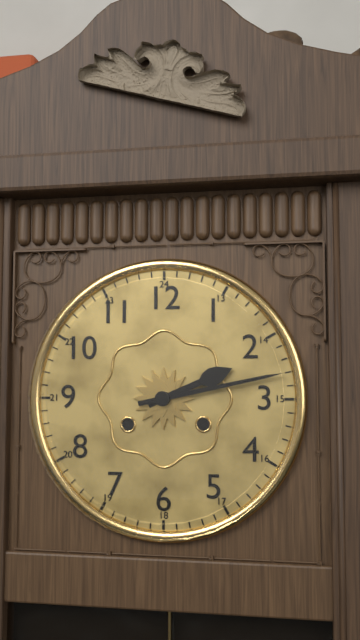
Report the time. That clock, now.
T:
2:13
